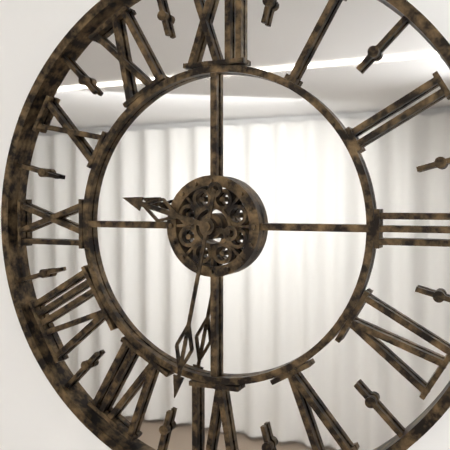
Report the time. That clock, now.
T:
9:32
